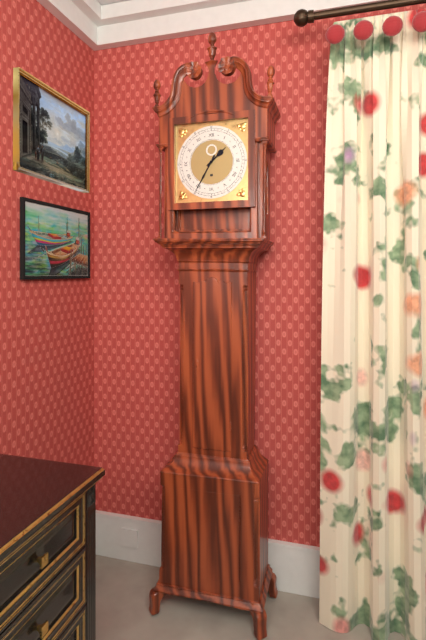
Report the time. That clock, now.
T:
1:35
